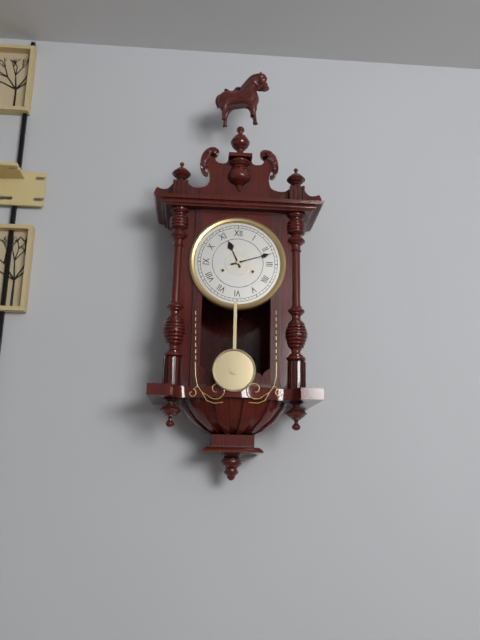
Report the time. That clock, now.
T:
11:12
